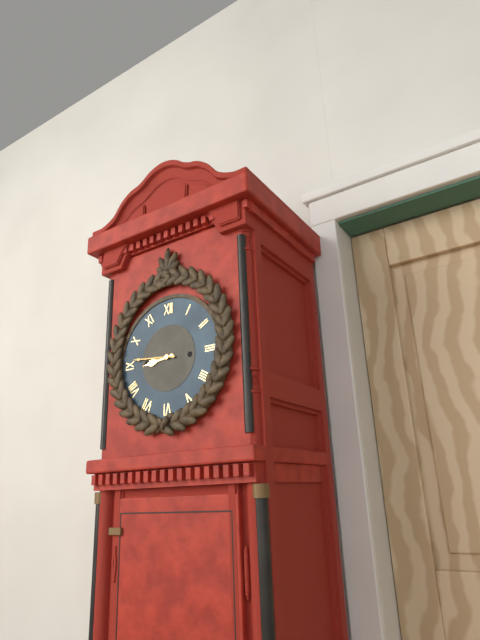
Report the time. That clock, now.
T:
8:46
